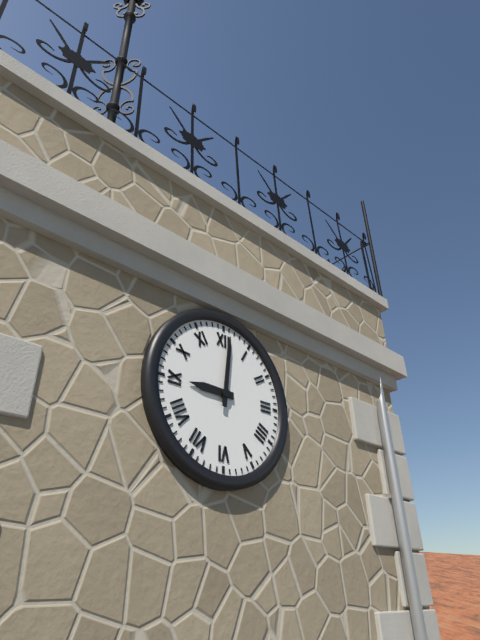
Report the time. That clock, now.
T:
9:01
